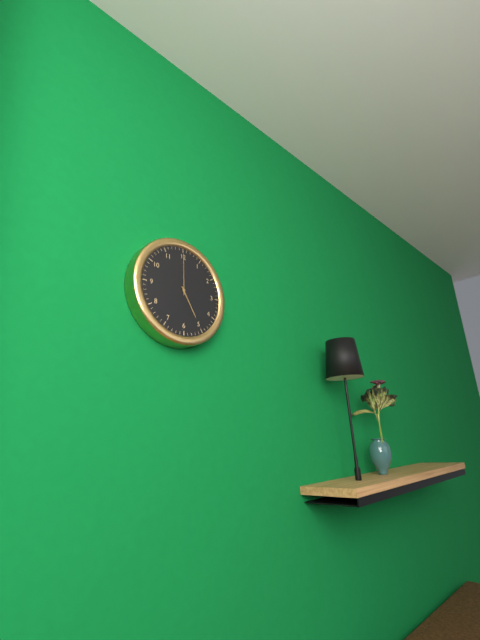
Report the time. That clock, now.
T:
5:00
